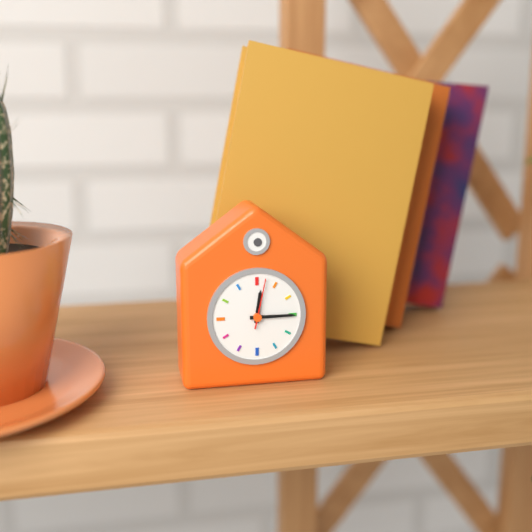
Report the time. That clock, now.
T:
12:15
